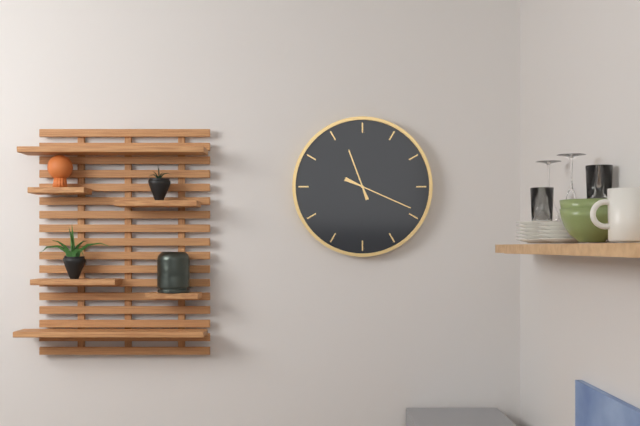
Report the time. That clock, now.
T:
11:19
